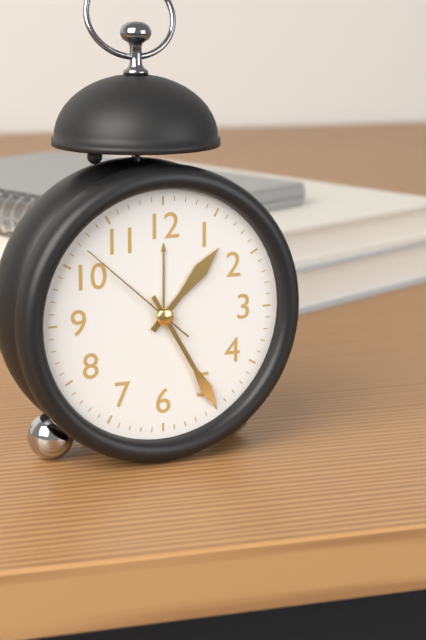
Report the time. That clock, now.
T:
1:25:52
